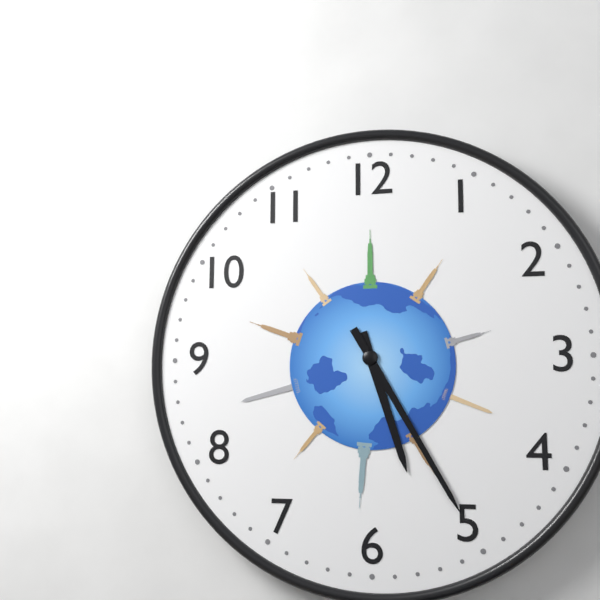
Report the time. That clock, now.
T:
5:25
